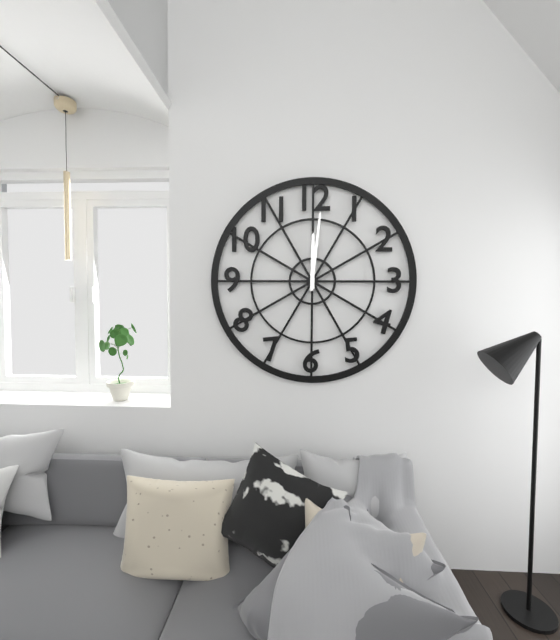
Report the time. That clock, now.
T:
12:01
